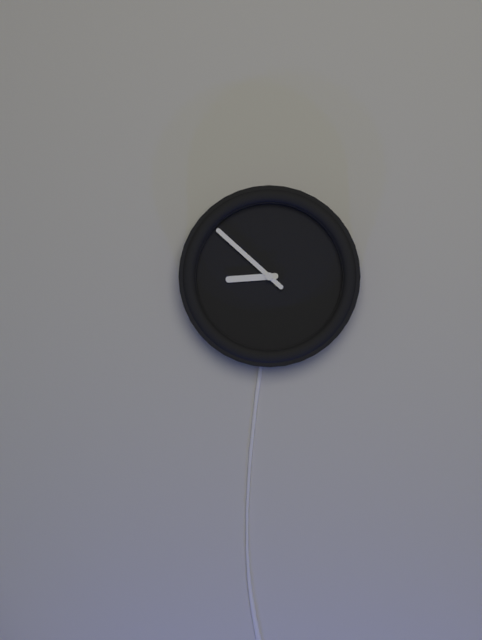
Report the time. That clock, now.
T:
8:52
